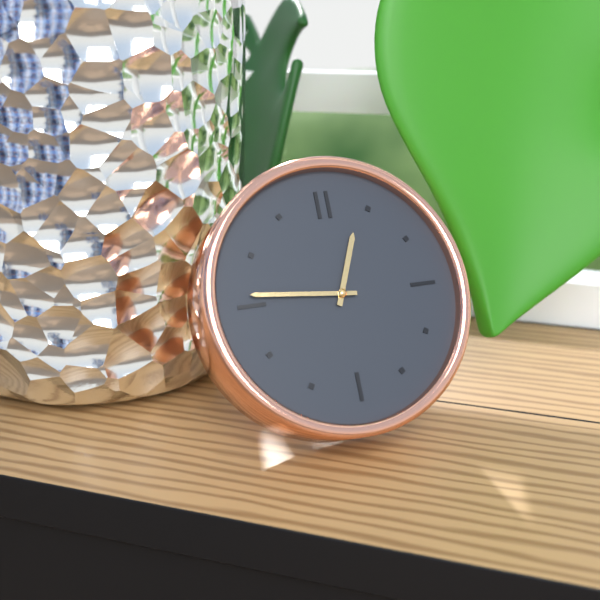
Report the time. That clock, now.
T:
12:46
